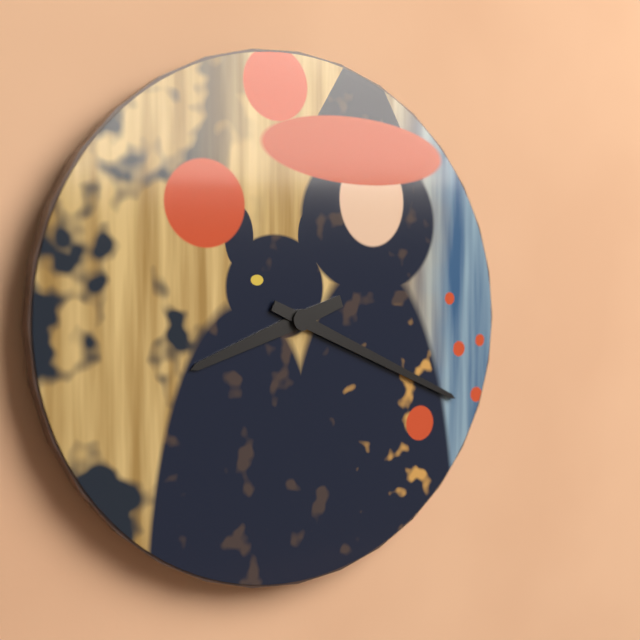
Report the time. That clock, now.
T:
8:19
